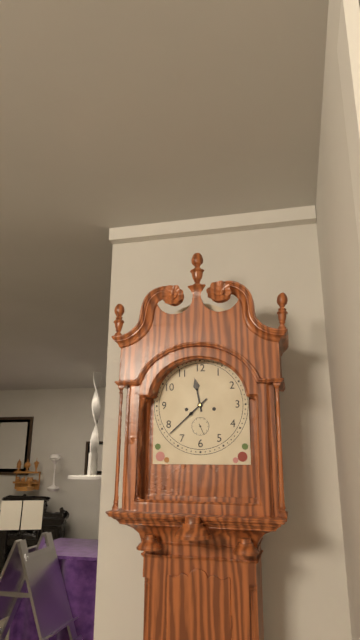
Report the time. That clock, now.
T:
11:38
